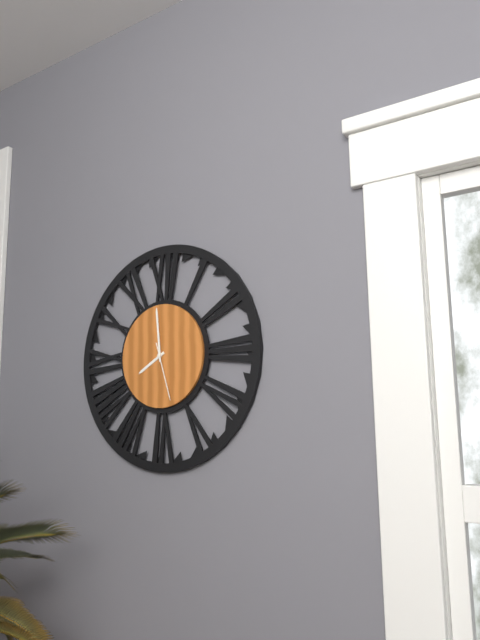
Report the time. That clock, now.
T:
7:59:27
